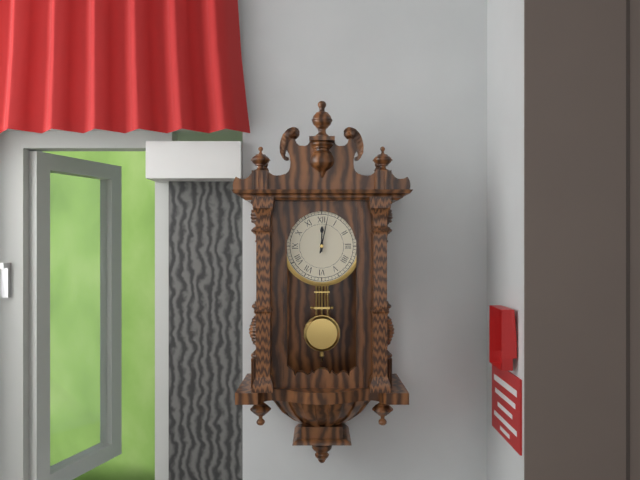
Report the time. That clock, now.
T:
12:02
